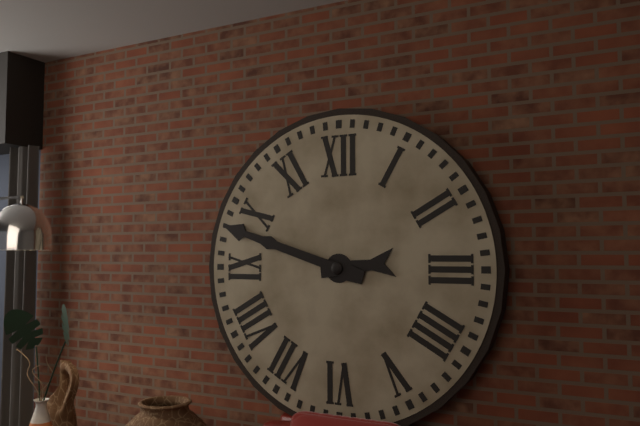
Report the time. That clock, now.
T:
2:48
